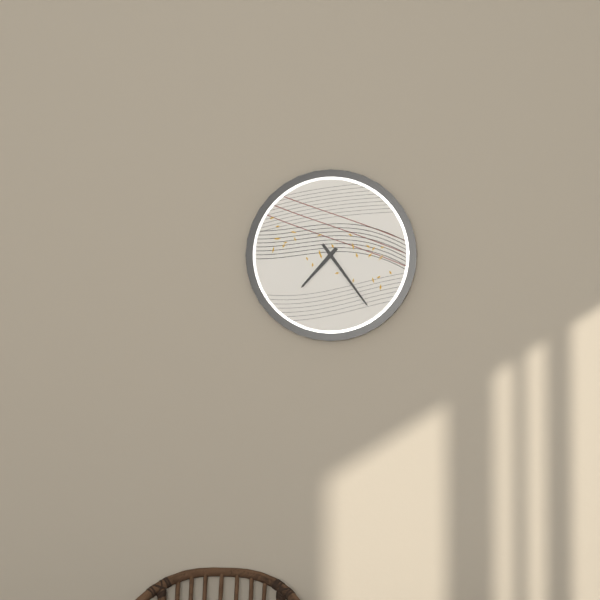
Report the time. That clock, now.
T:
7:24
